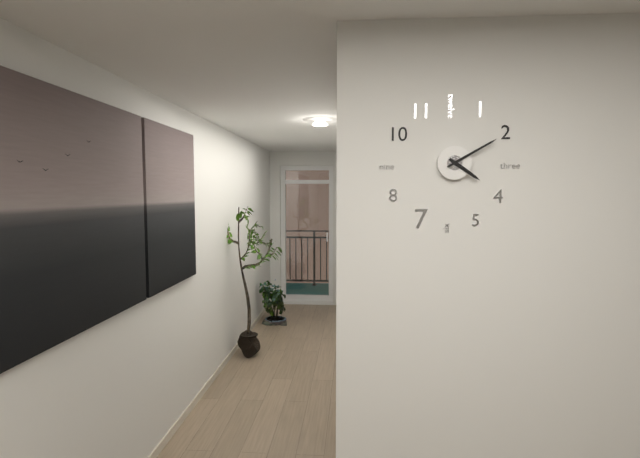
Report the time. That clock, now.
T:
4:10
